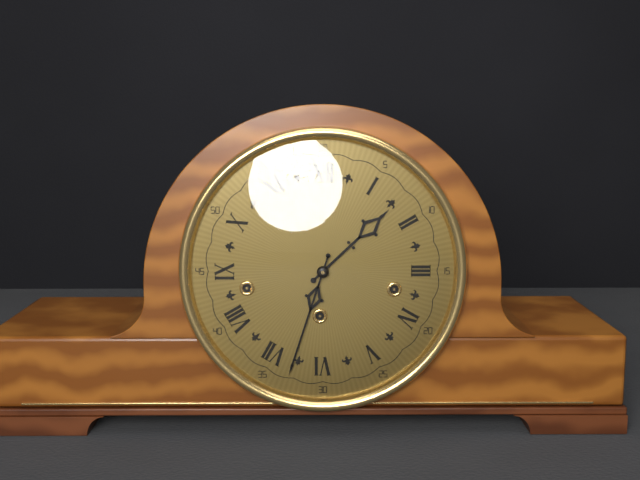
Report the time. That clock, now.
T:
1:33
